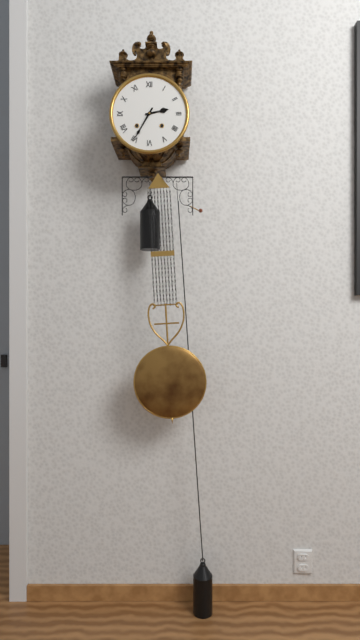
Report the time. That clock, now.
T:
2:35
